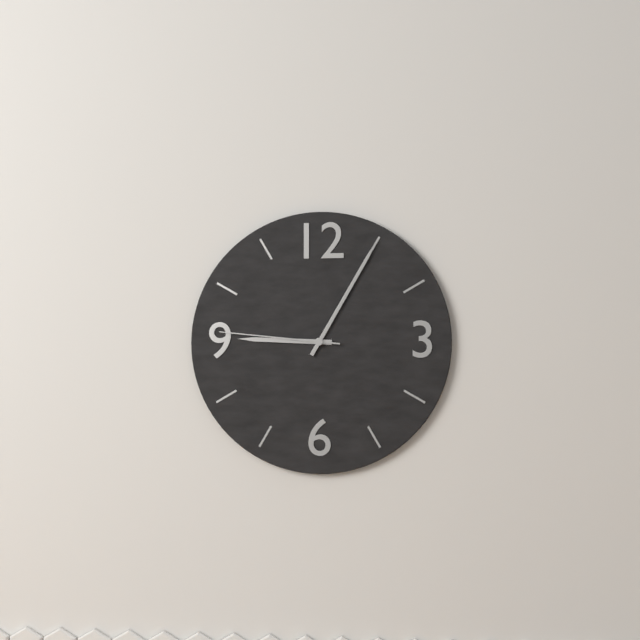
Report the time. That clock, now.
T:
9:05:46
